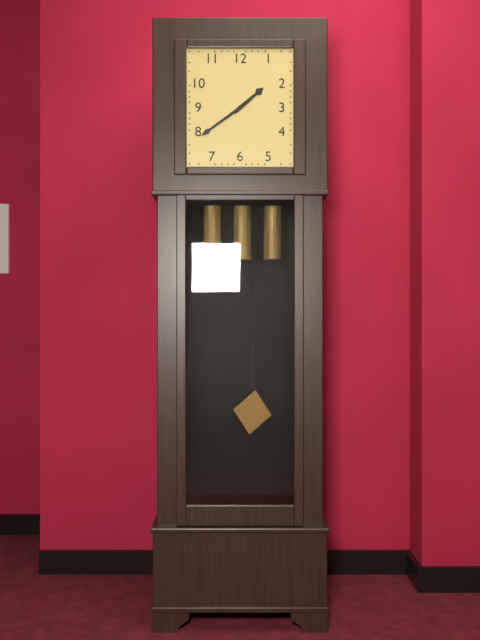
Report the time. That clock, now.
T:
1:39
